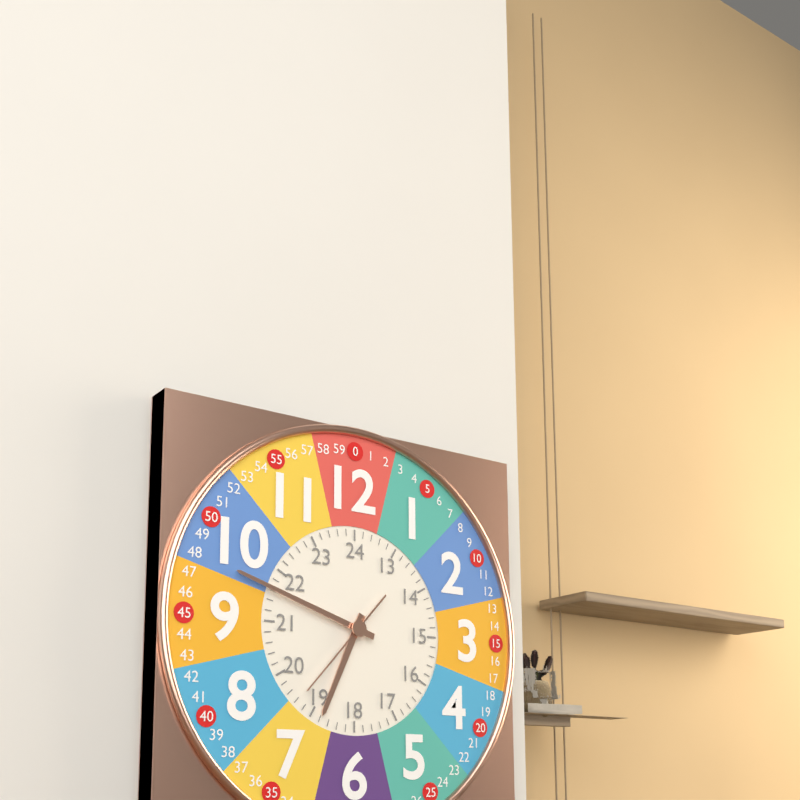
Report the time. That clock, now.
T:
6:48:37
